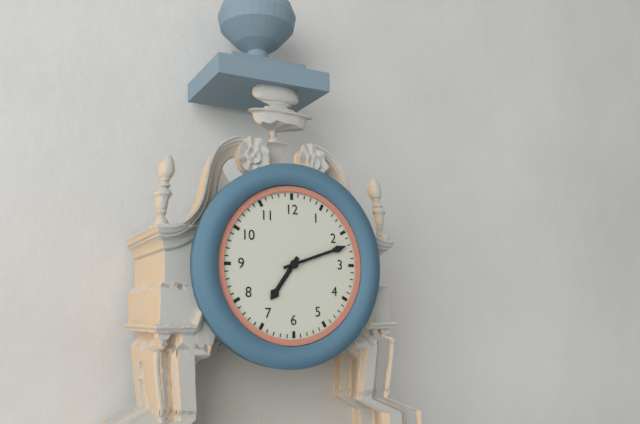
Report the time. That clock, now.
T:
7:12
